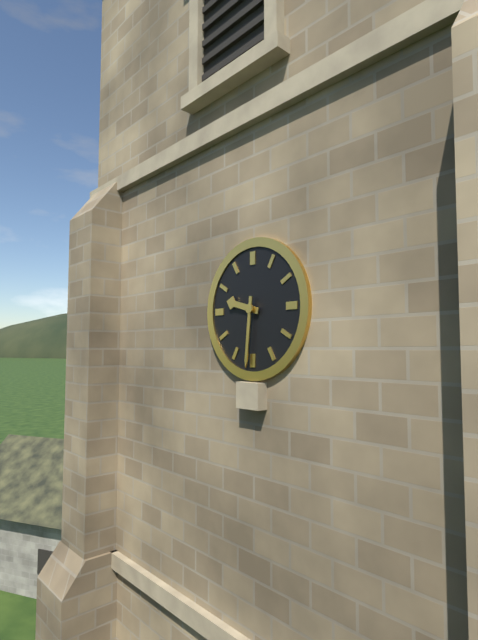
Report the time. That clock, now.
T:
9:31
